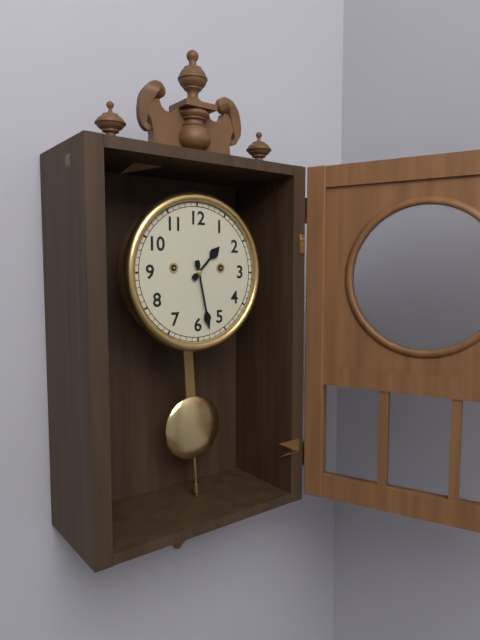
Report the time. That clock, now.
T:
1:28
